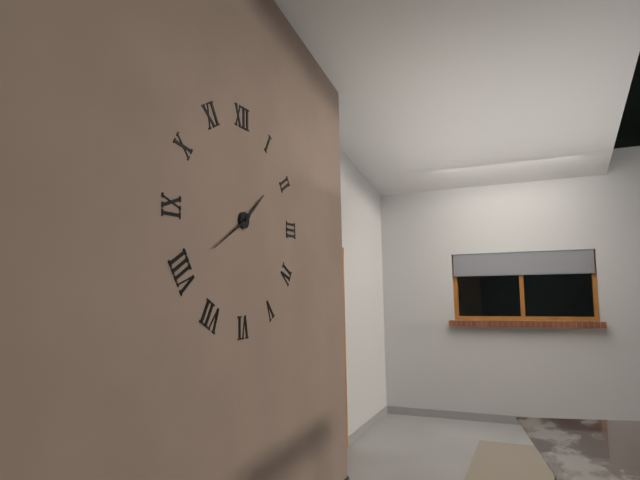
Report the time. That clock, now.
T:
1:40
